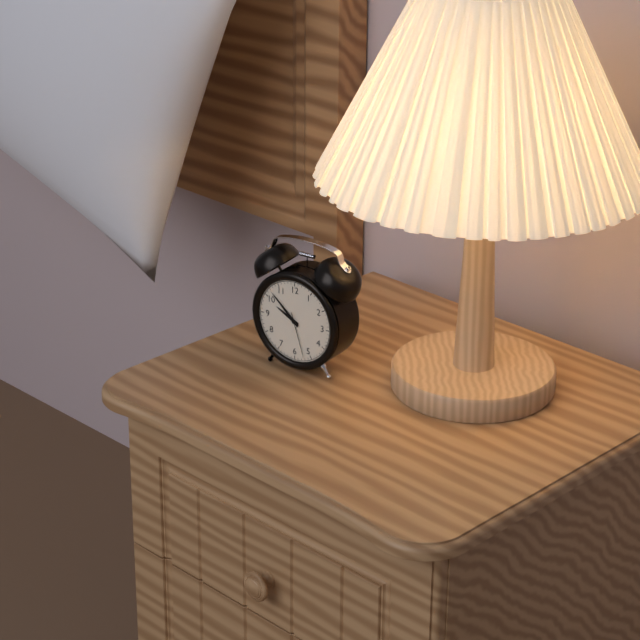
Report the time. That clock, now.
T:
9:52
